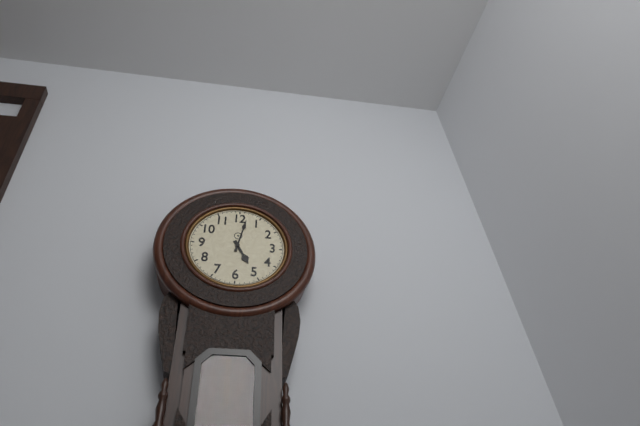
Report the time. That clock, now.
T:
5:02
